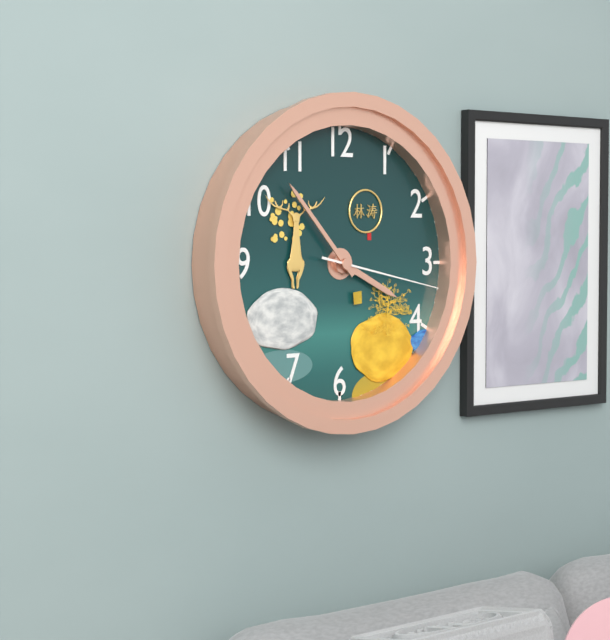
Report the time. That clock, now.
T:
3:53:17
